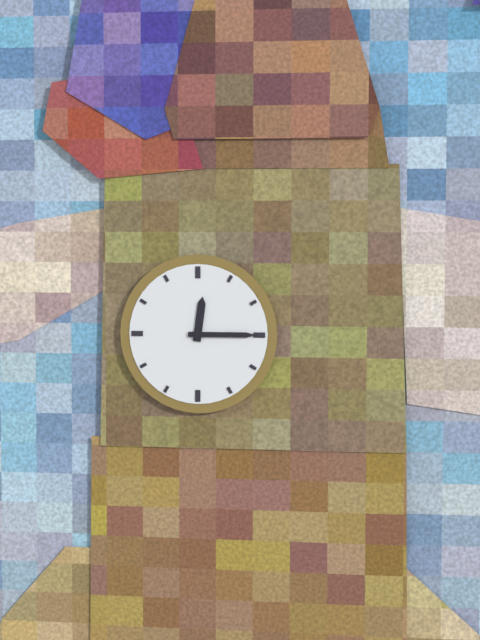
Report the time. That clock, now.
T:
12:15
